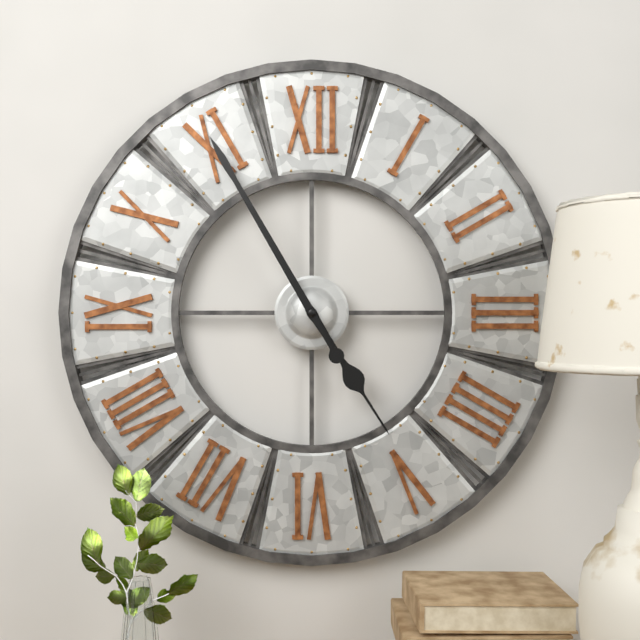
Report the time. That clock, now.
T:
4:55
